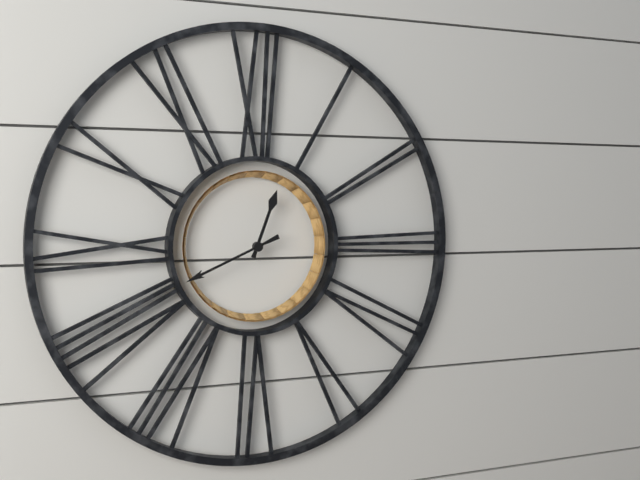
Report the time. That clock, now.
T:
12:41
